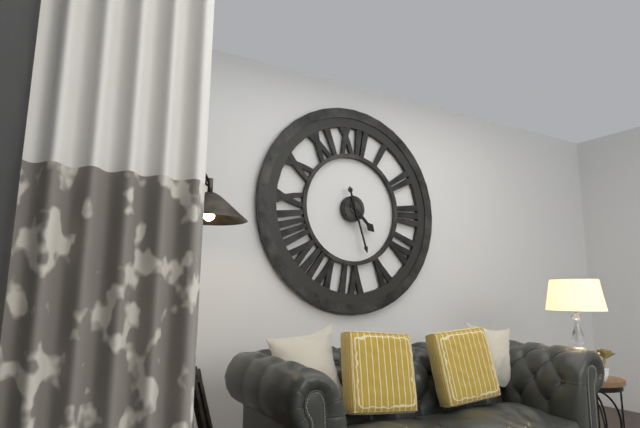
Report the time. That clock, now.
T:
4:27
